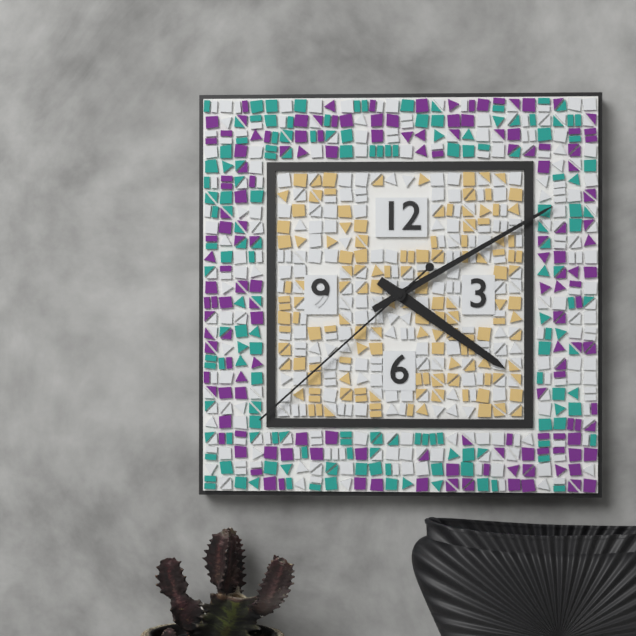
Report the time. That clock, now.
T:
4:10:38
